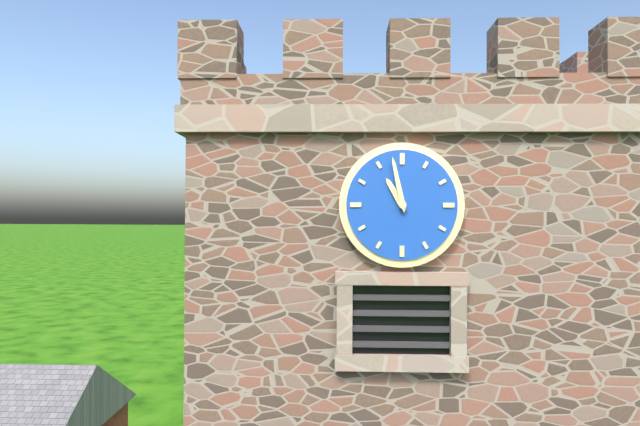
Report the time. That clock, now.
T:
10:58
